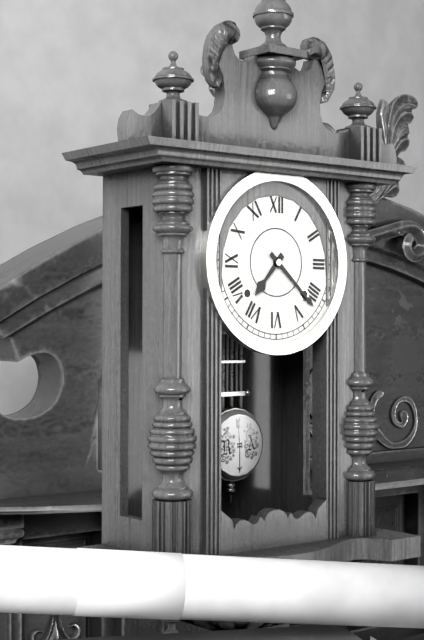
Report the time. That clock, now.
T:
7:22
